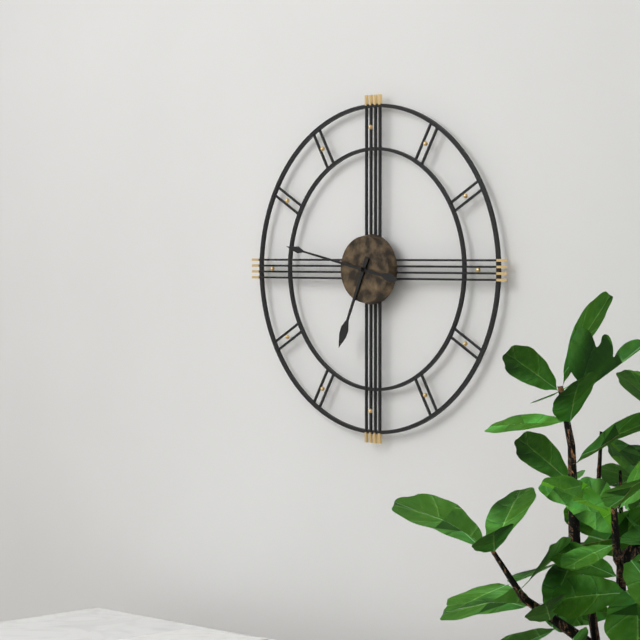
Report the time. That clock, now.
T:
6:47
